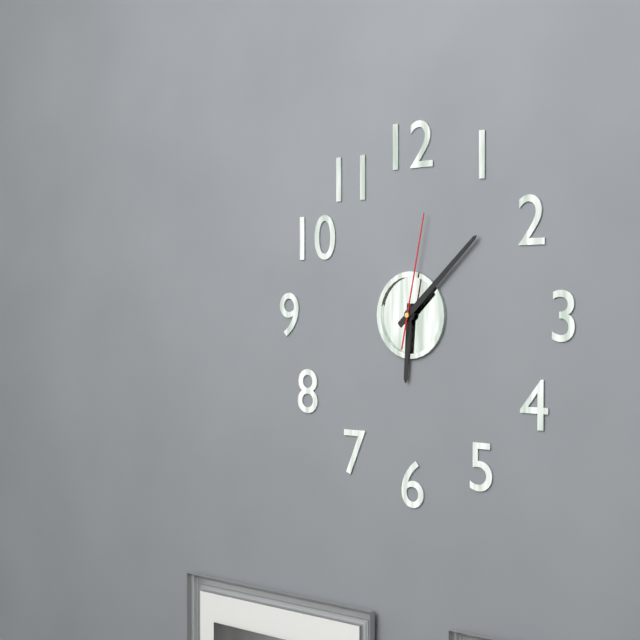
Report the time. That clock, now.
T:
6:08:02
